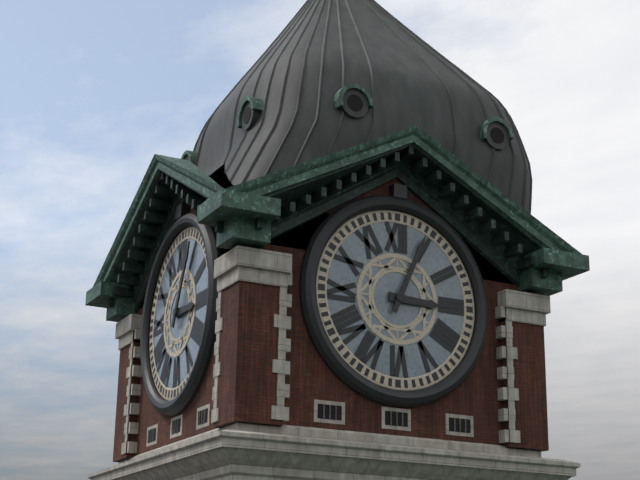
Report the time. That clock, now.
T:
3:04
